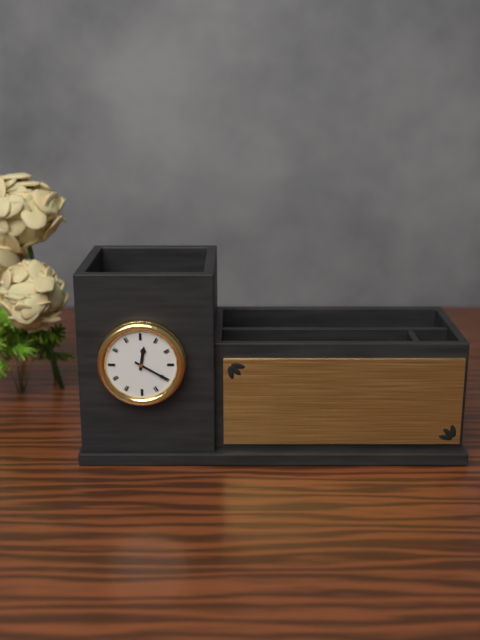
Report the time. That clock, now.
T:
12:20
